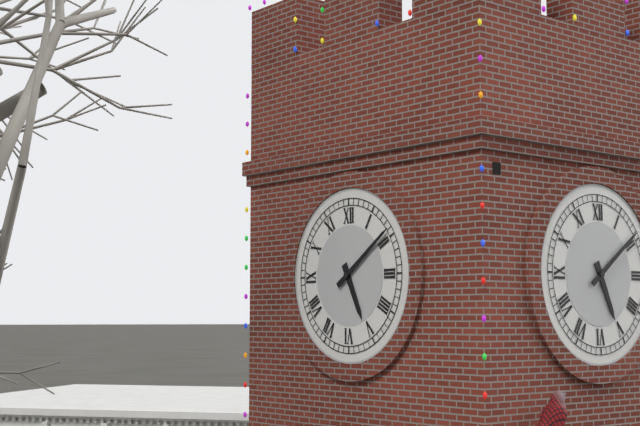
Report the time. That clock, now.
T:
5:09
